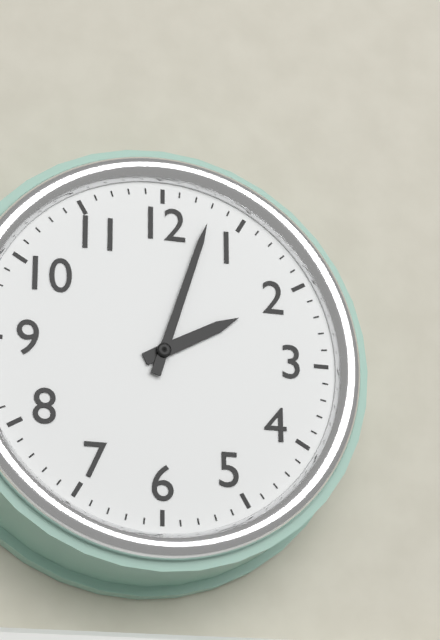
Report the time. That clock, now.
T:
2:03
